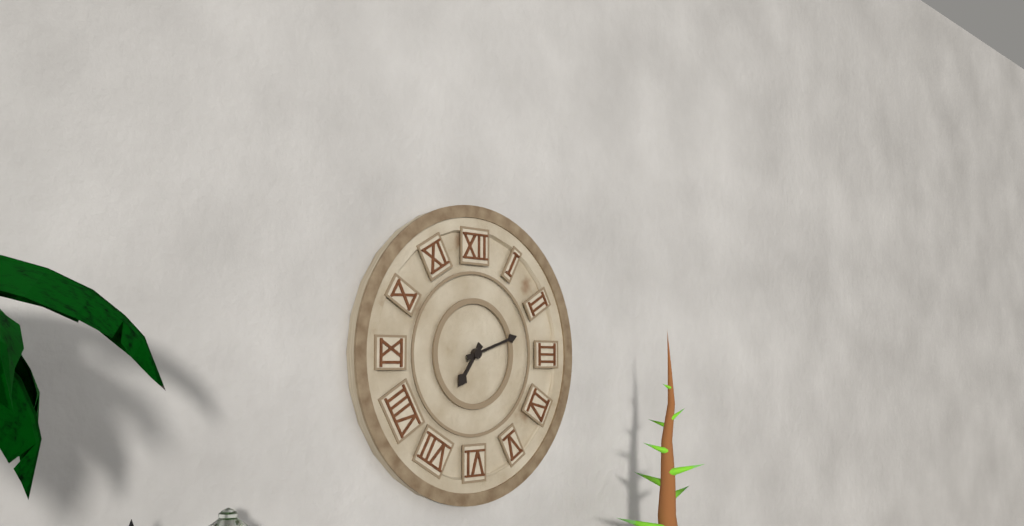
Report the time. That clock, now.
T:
7:12
